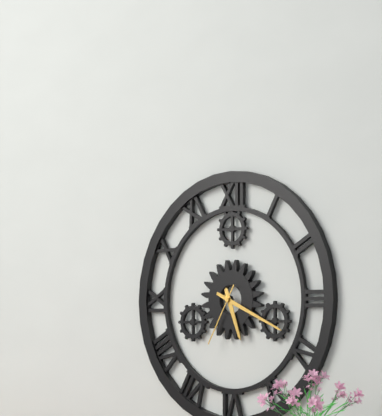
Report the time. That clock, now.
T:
5:19:35
